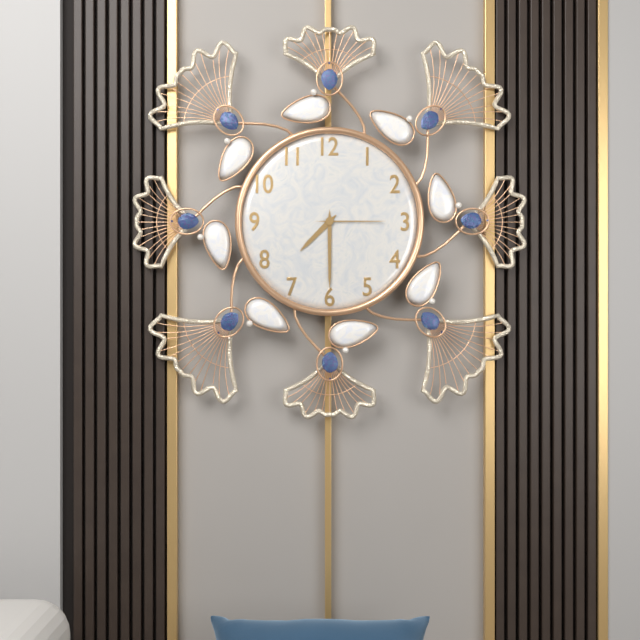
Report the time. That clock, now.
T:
7:30:15
